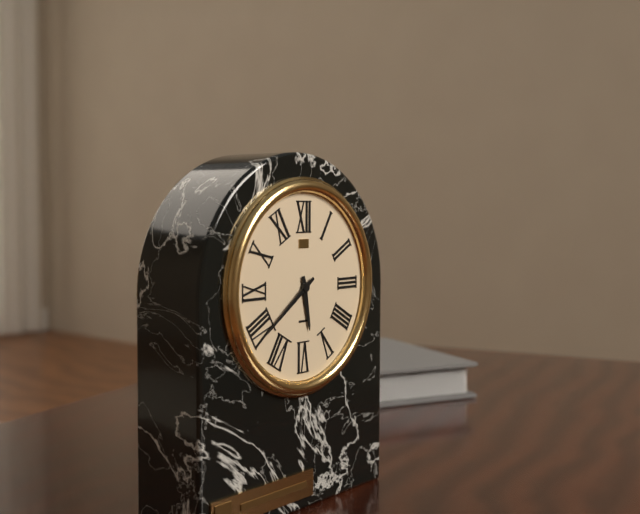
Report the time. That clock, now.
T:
5:39
